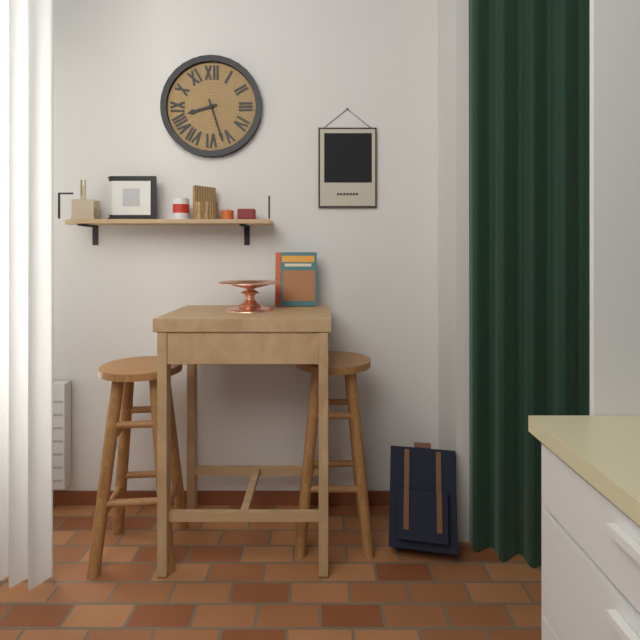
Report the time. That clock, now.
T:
8:27
